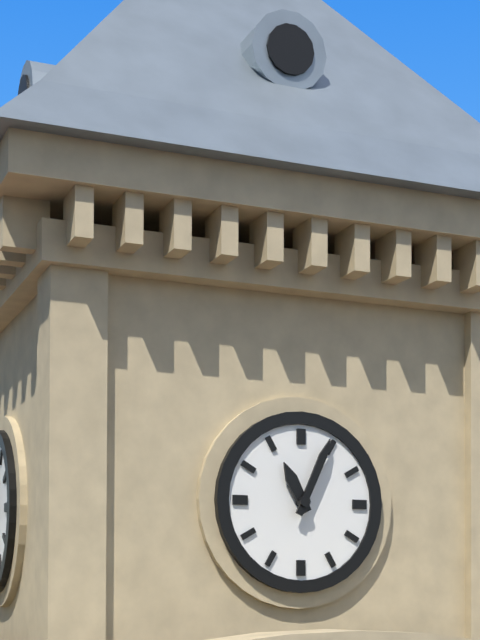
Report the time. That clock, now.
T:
11:04
